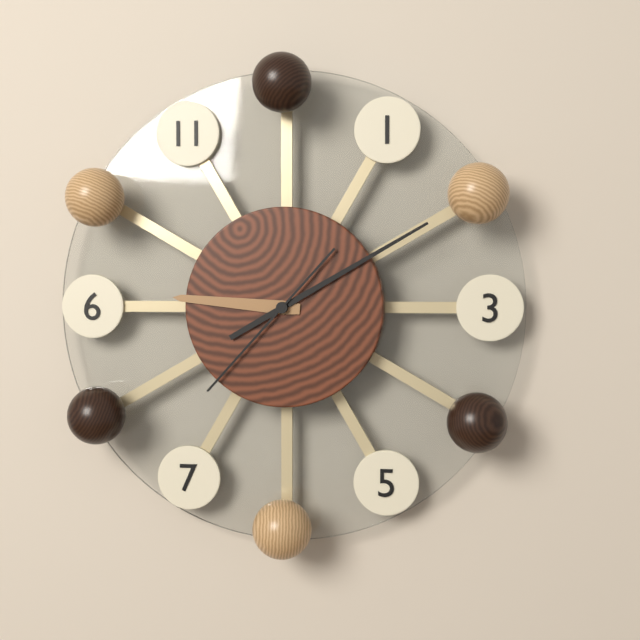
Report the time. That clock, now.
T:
9:10:37
